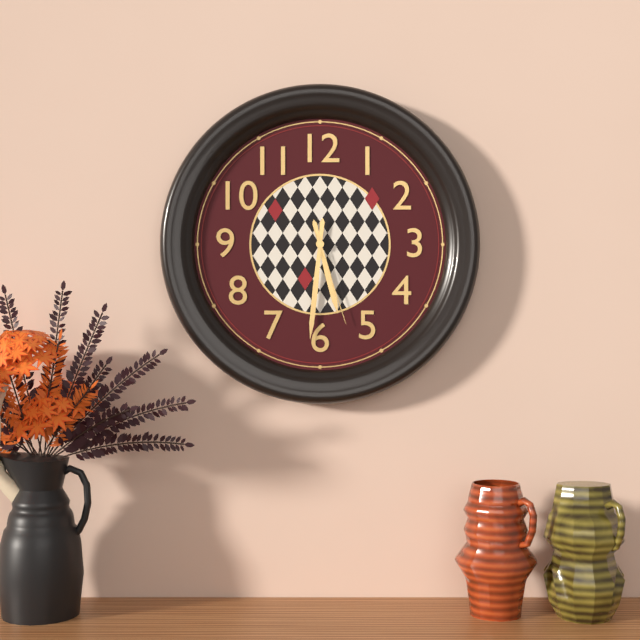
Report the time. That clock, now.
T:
5:31:27
